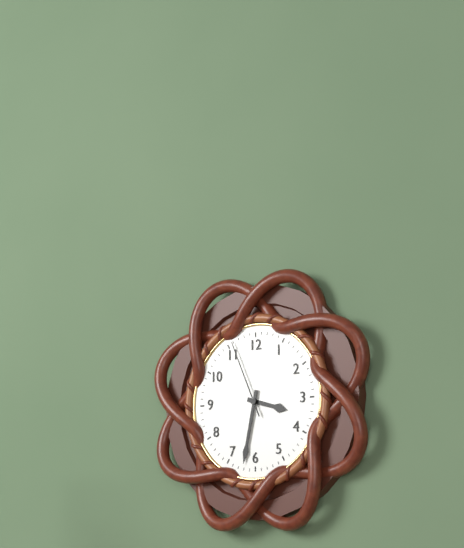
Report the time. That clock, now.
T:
3:32:56
